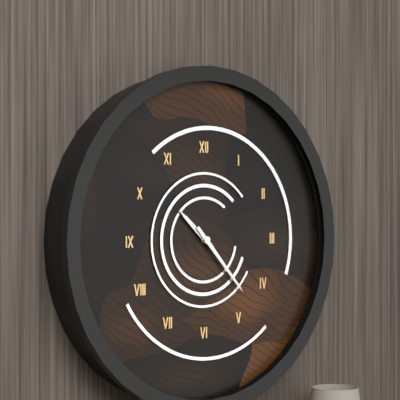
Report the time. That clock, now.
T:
10:23
